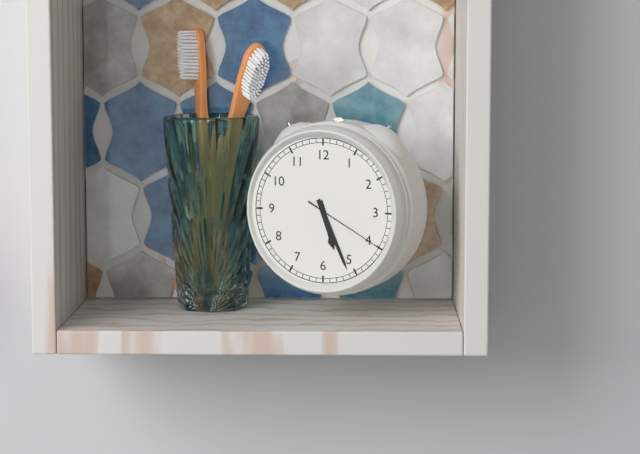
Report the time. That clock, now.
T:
5:26:20
